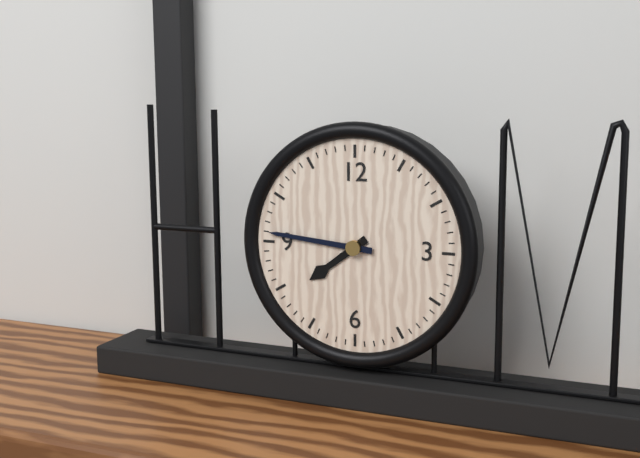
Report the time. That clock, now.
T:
7:46
